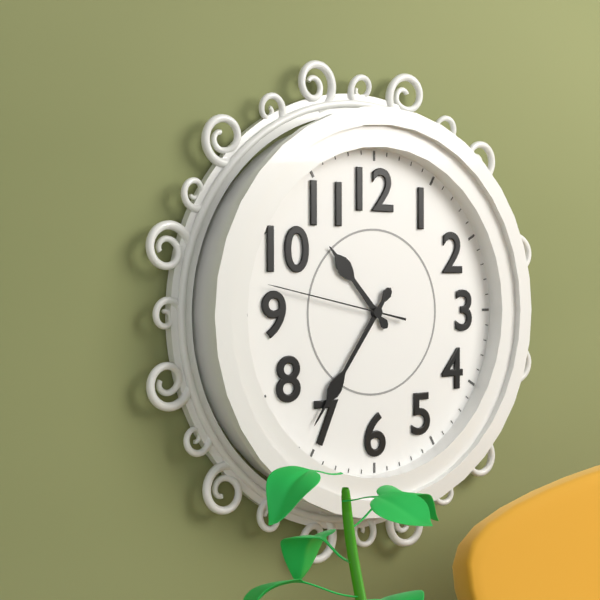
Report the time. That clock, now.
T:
10:36:47
